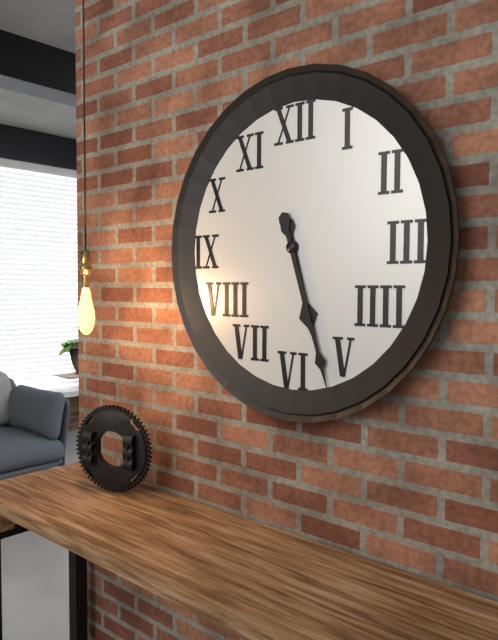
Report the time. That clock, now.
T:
5:27
